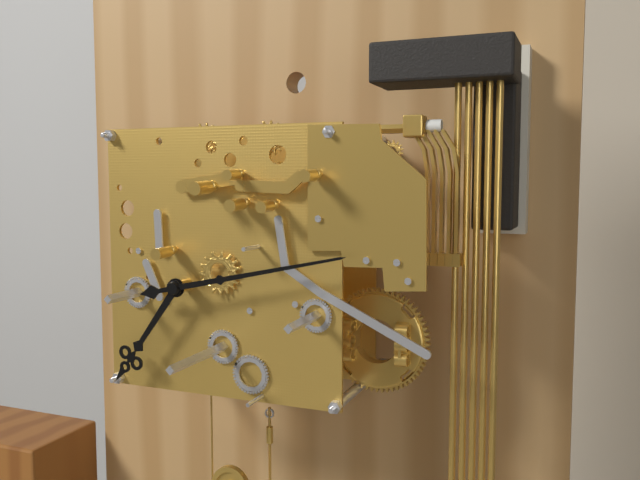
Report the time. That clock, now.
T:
7:13
